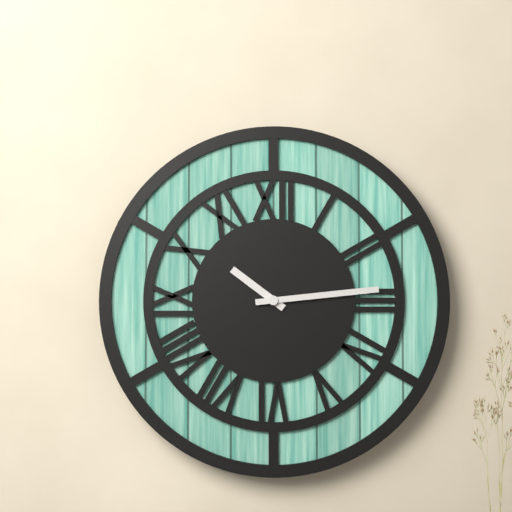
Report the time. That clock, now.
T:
10:14
